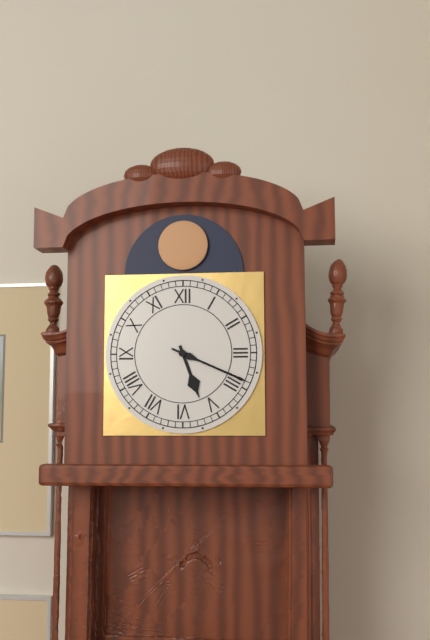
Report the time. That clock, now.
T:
5:19
